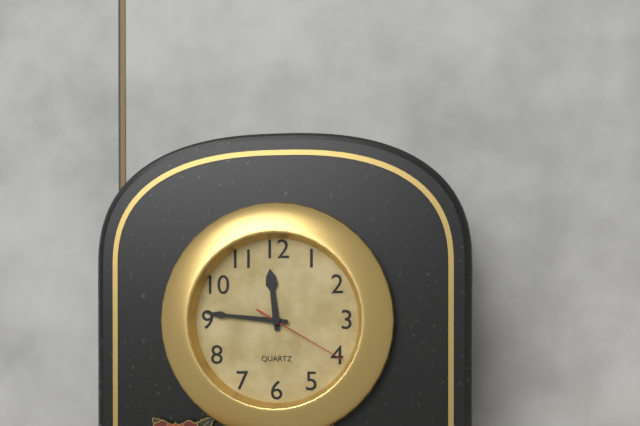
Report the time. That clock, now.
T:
11:46:20
